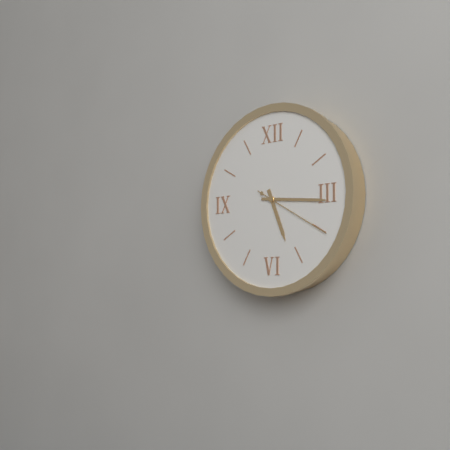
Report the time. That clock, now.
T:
5:16:20
